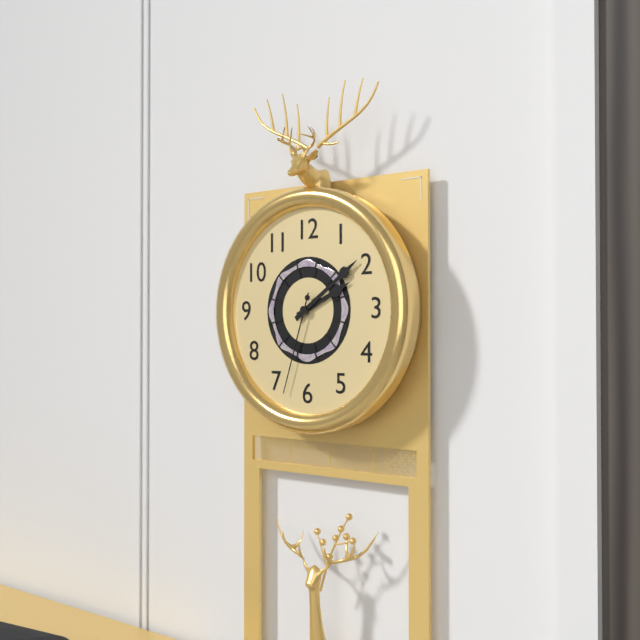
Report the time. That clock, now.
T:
2:09:33
